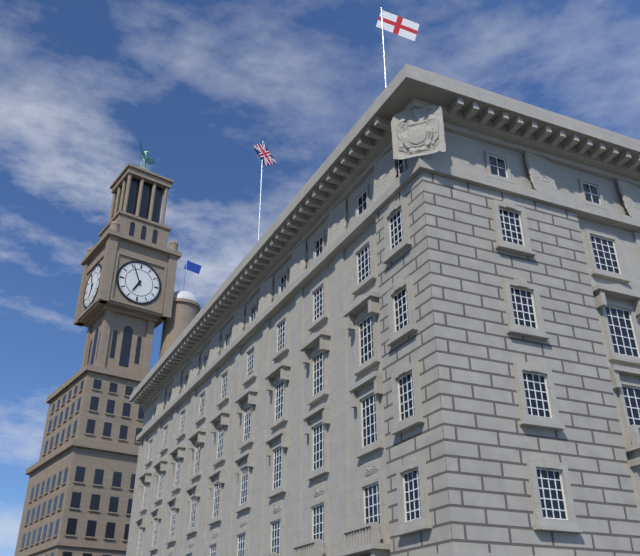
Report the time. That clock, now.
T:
6:56
